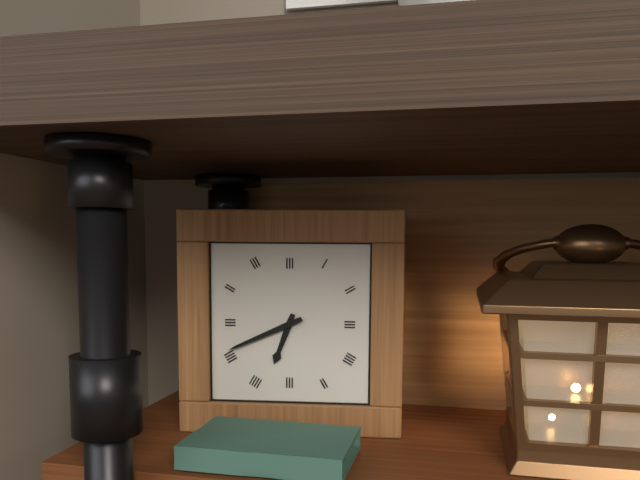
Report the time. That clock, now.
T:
6:41
